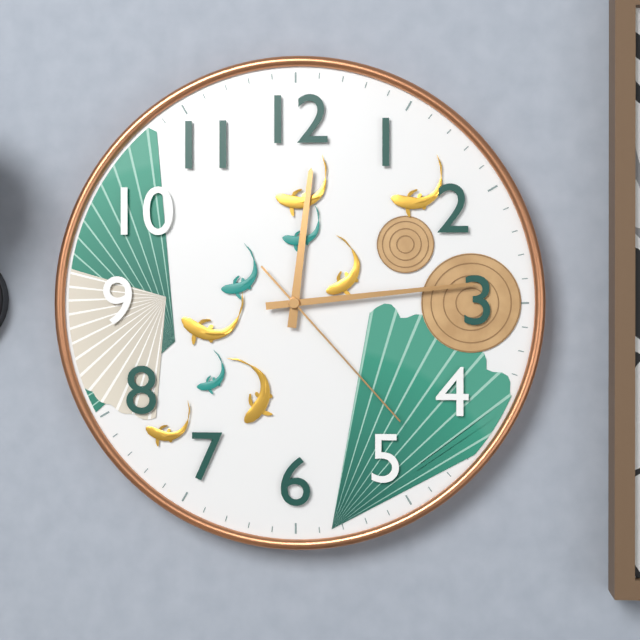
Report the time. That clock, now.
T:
12:14:23
